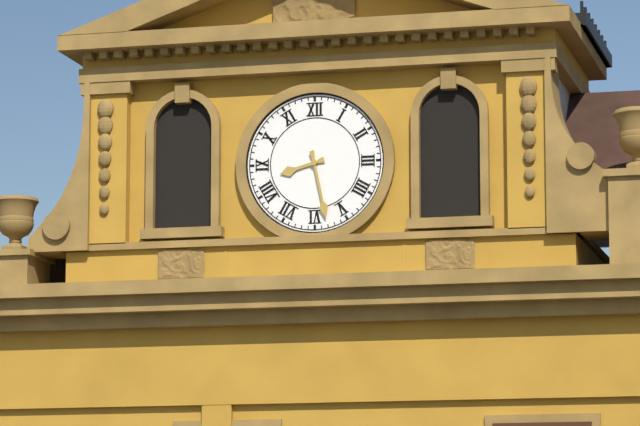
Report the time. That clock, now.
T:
8:28
